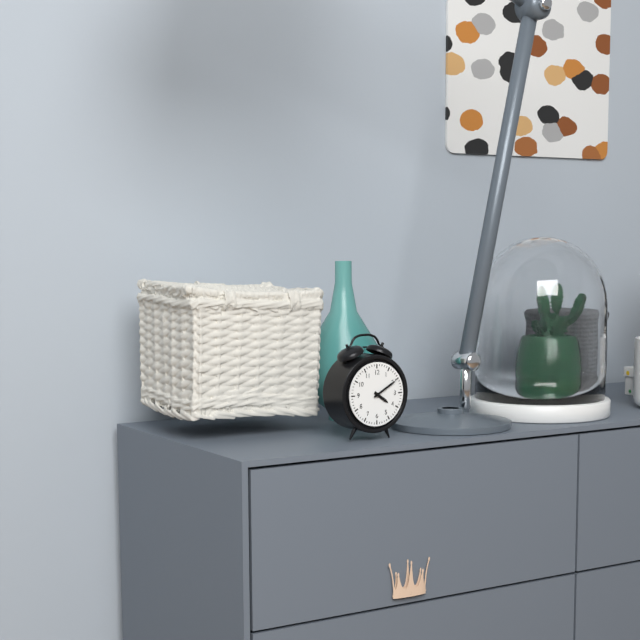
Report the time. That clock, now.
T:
4:10
